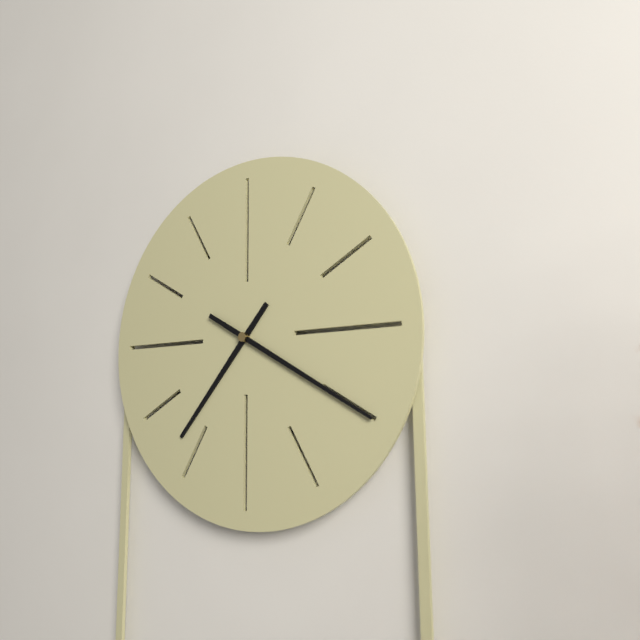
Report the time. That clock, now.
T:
7:20
